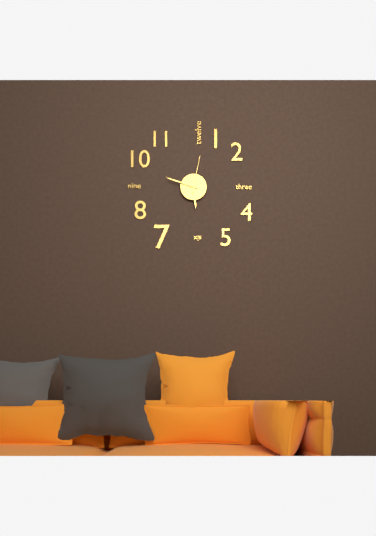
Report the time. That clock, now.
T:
5:48
